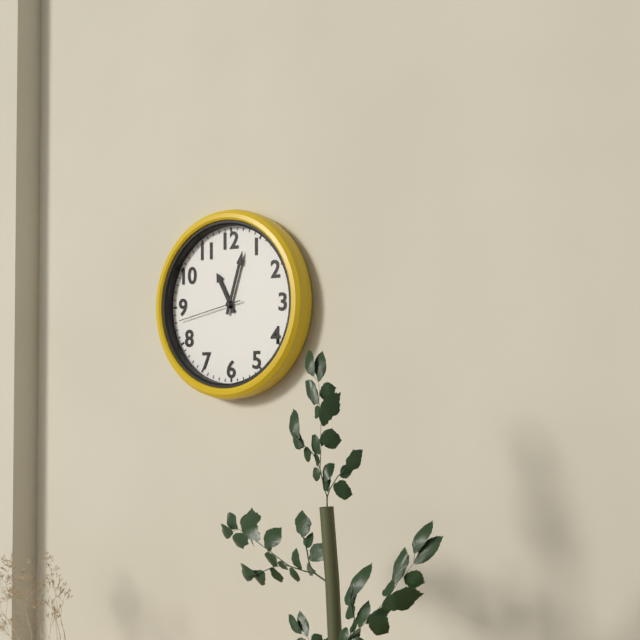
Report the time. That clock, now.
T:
11:03:43
